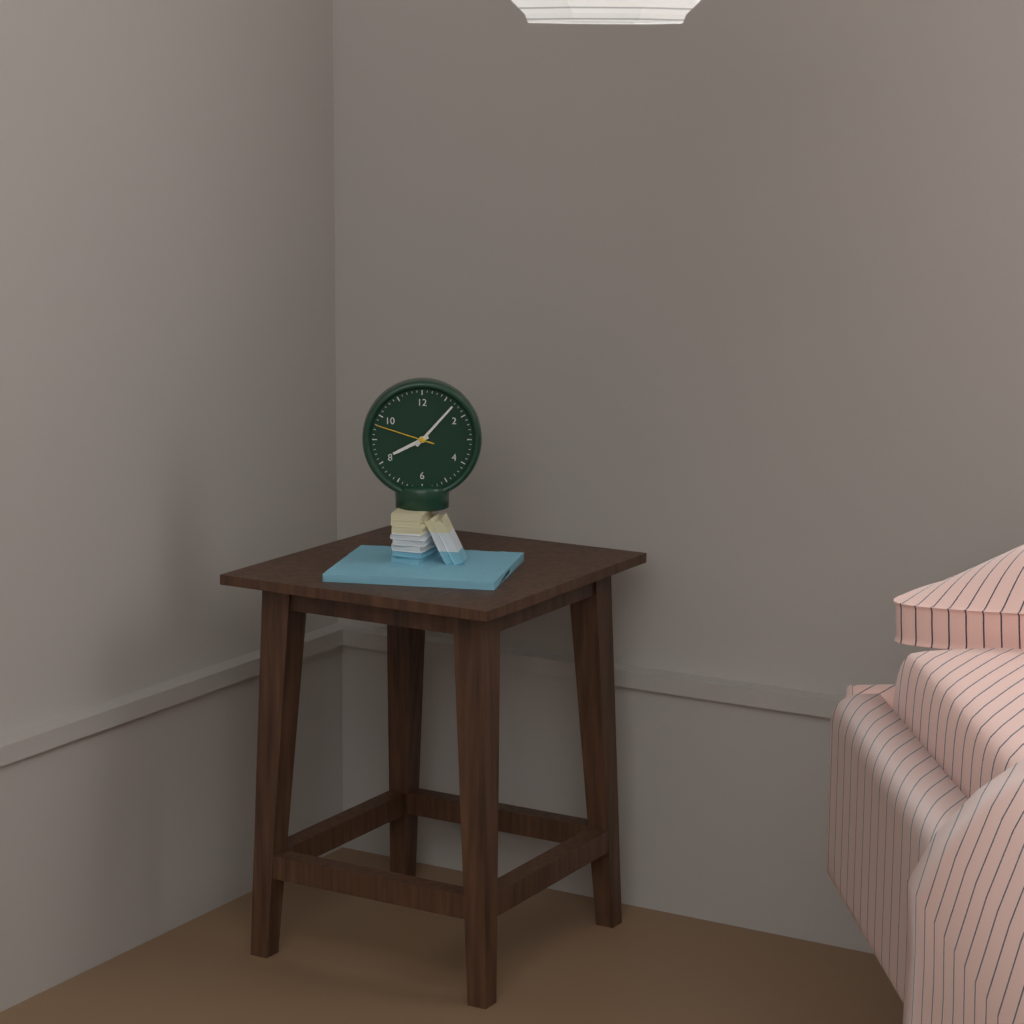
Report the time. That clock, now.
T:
8:07:48
